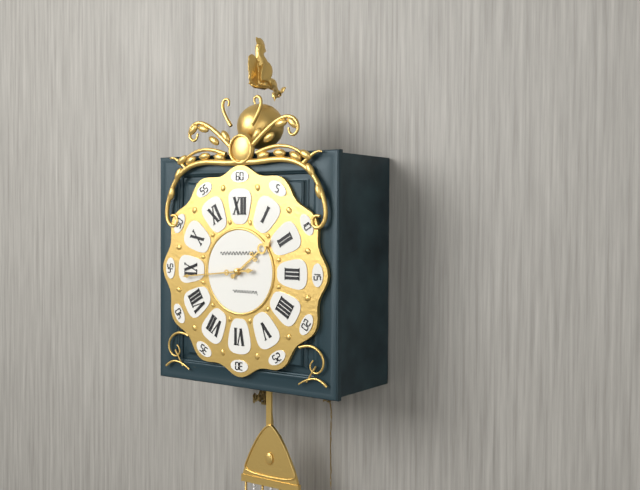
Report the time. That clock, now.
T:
1:44
